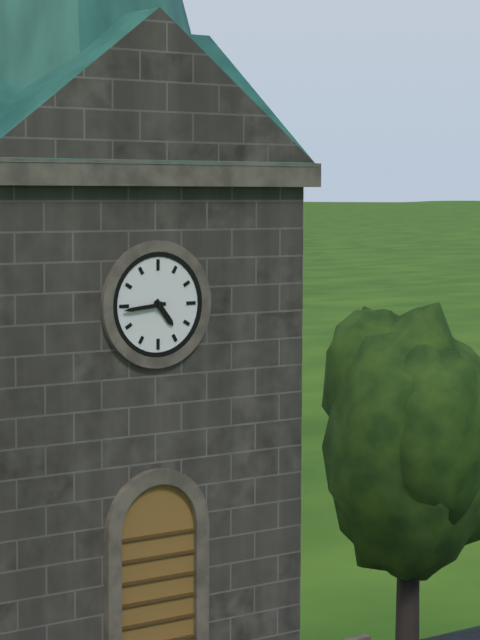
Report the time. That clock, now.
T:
4:44
